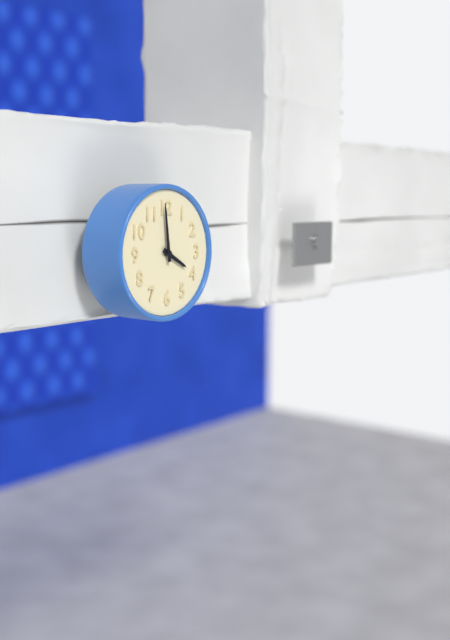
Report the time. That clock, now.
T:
3:59
